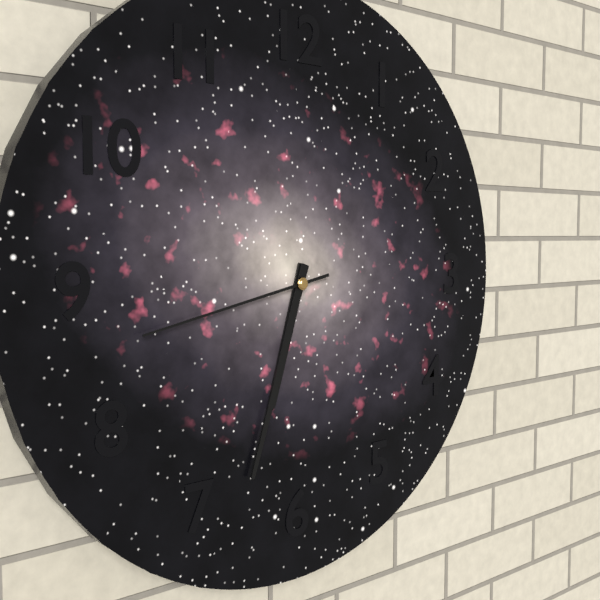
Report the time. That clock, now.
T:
6:33:43
